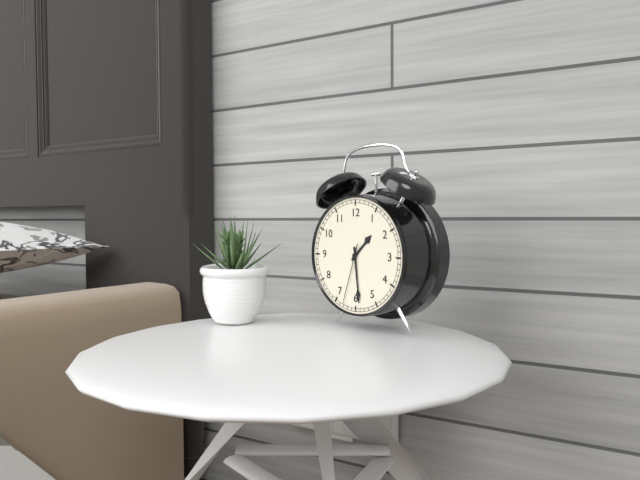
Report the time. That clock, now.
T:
1:29:33
